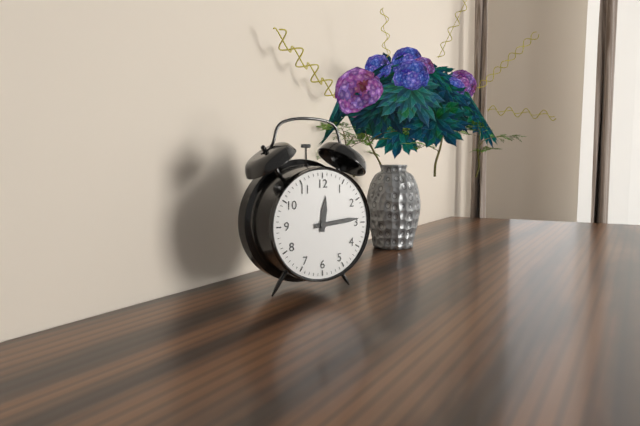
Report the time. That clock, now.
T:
12:14
